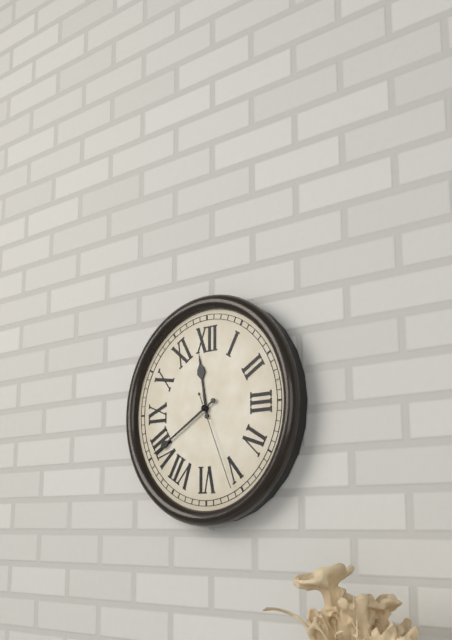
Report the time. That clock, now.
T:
11:40:26
